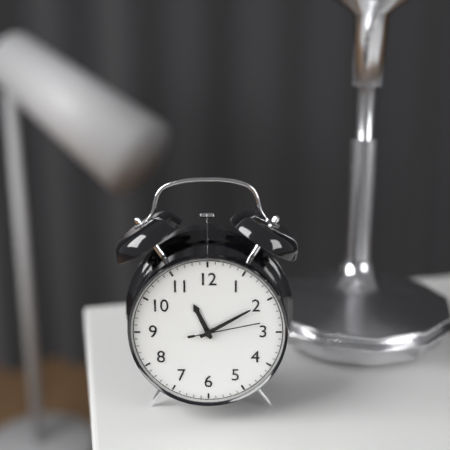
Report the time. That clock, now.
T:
11:10:13
